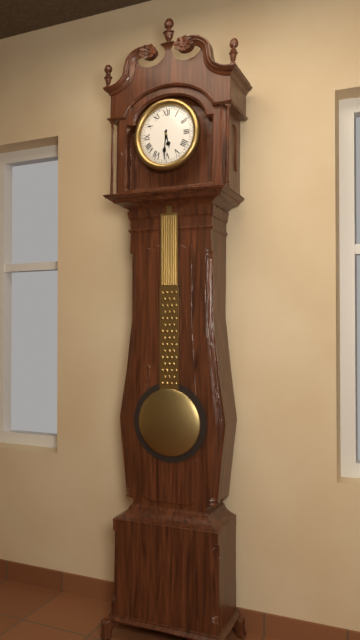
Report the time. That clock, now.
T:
5:31
